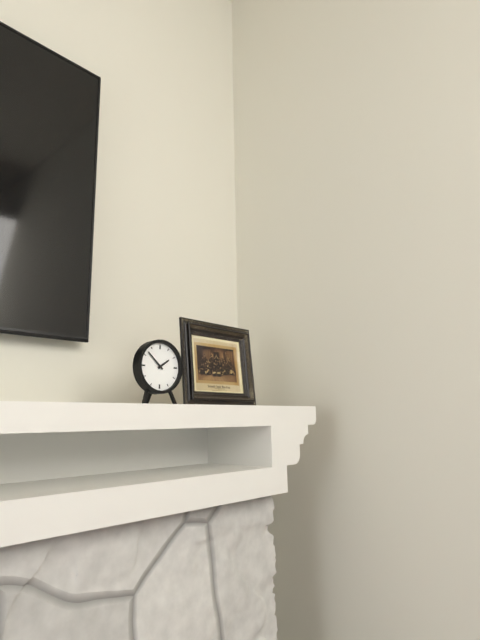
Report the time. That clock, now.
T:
1:52
